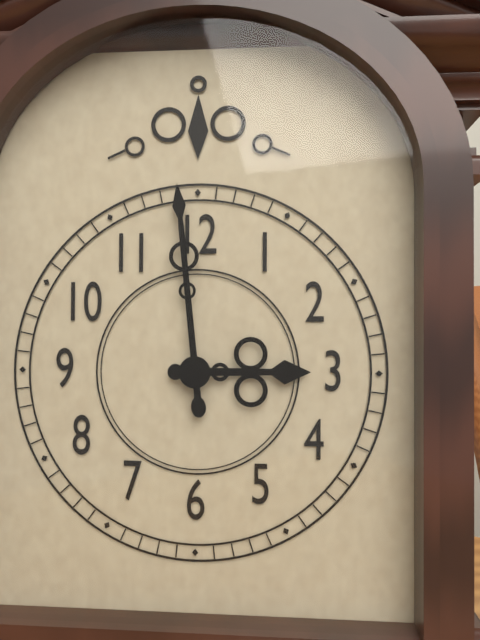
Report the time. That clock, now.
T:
2:59
